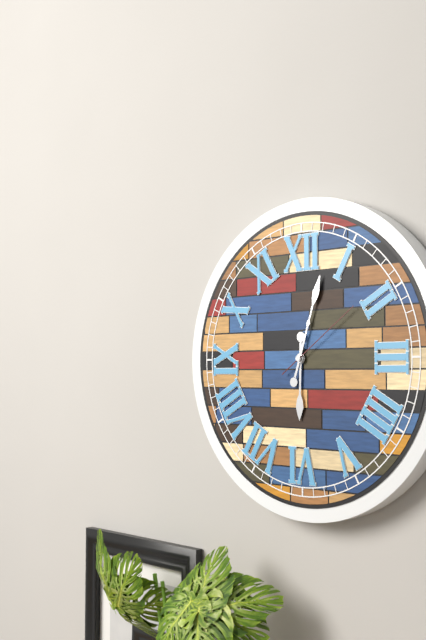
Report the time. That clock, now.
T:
6:03:09
